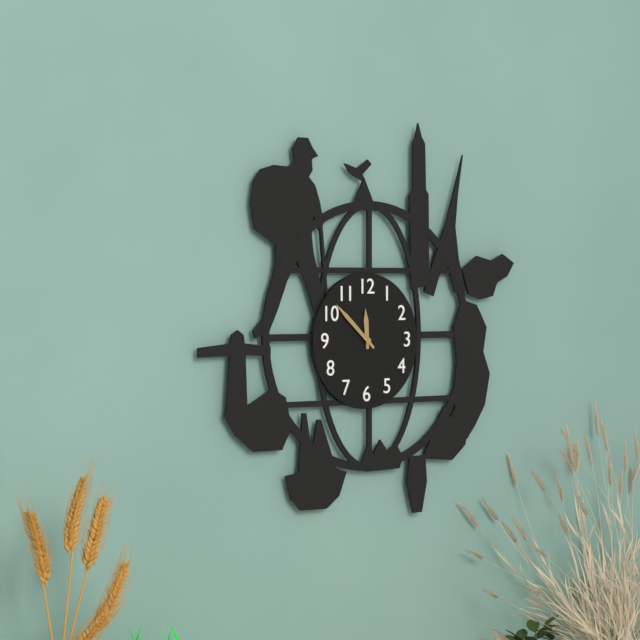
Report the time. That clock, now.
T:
11:52
